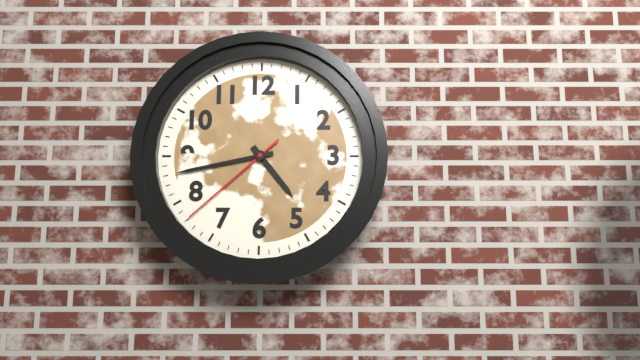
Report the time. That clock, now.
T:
4:43:38
